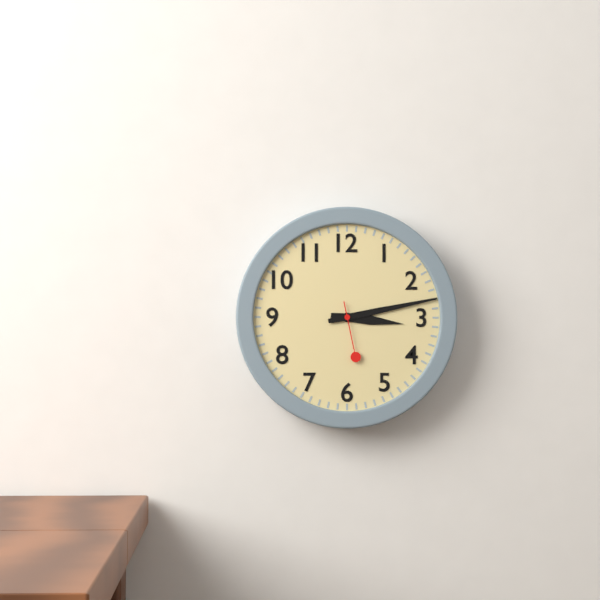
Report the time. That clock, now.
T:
3:13:28
